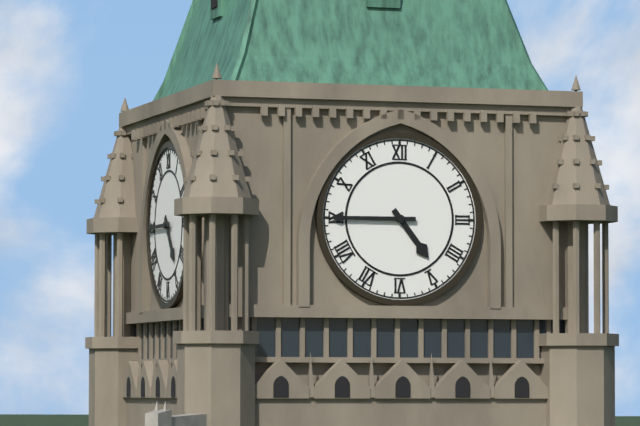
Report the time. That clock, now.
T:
4:45
